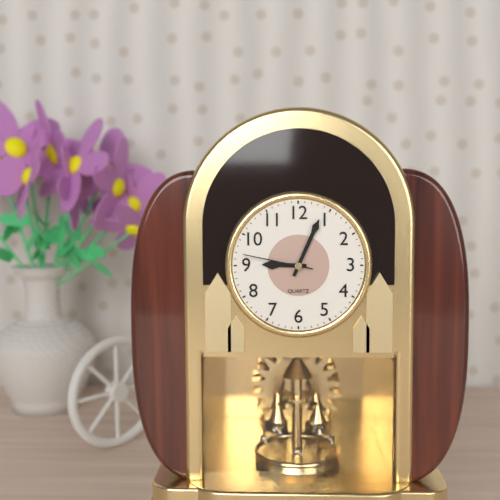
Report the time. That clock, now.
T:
9:04:47
